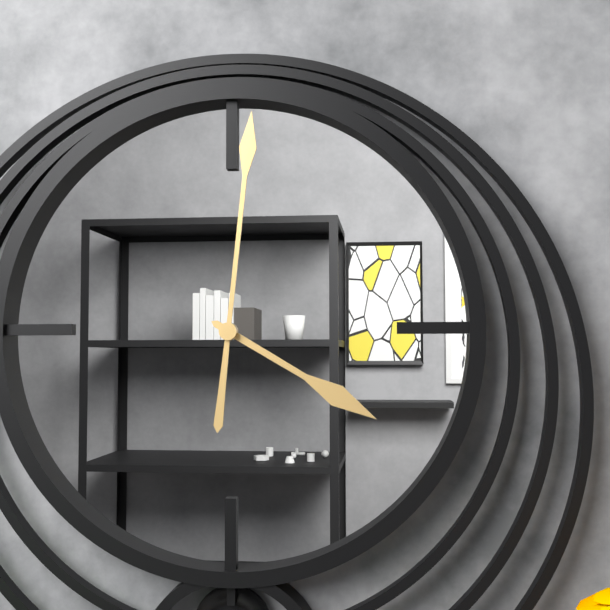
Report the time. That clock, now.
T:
4:01
